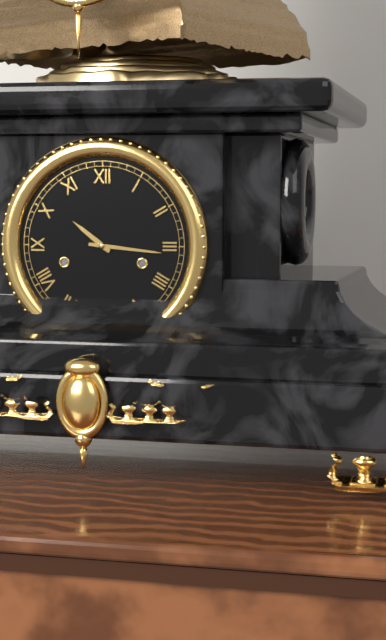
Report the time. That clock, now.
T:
10:16
